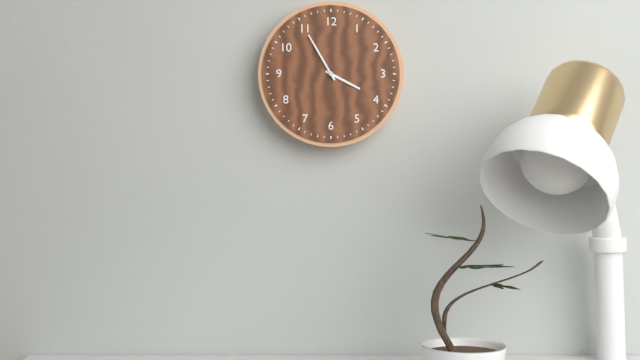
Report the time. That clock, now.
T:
3:55
